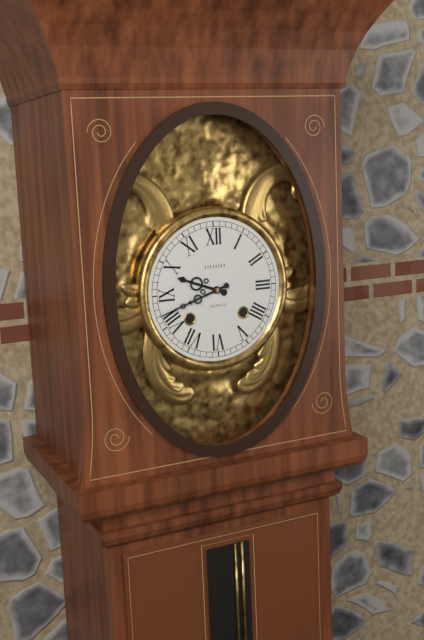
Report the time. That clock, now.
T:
9:42
